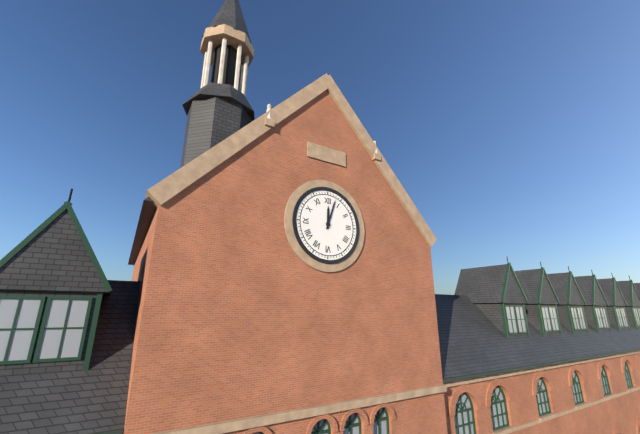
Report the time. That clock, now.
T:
12:03
